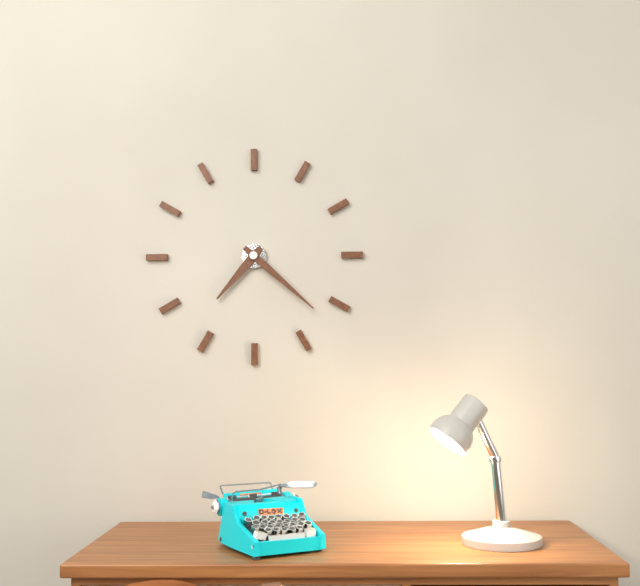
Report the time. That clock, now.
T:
7:22
